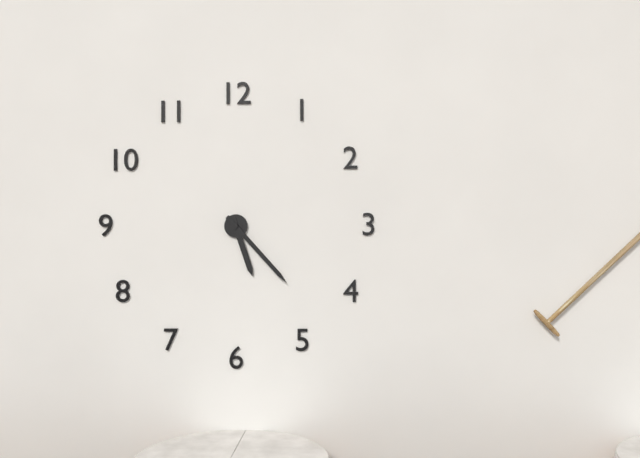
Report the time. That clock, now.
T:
5:23
